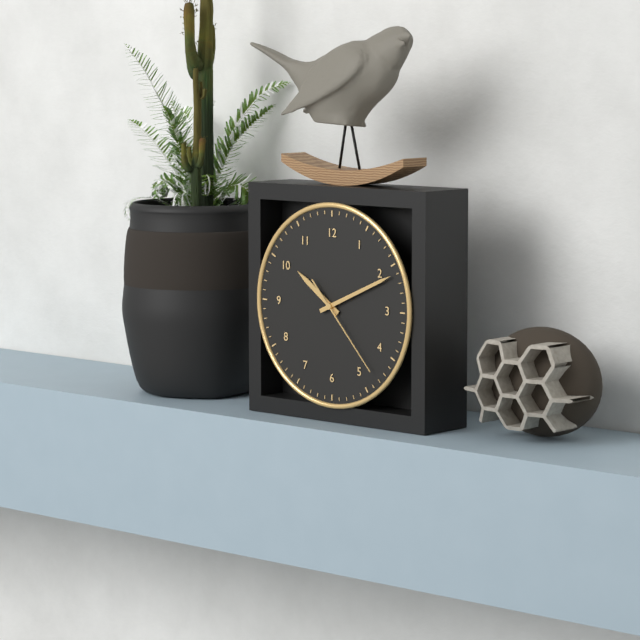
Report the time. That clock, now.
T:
10:11:23
